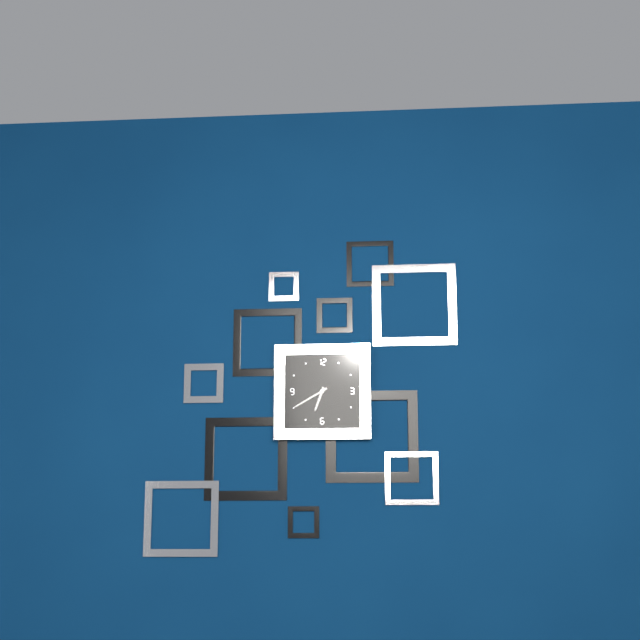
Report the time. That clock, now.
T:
6:40
